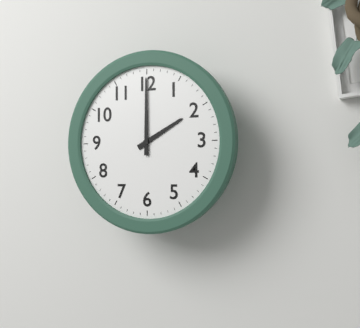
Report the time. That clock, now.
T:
2:00
